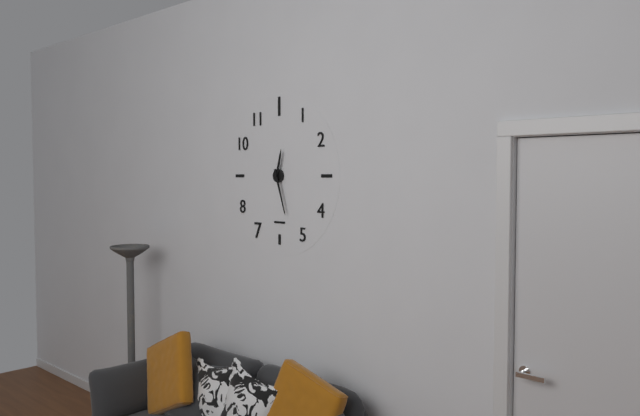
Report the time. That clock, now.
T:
12:27
